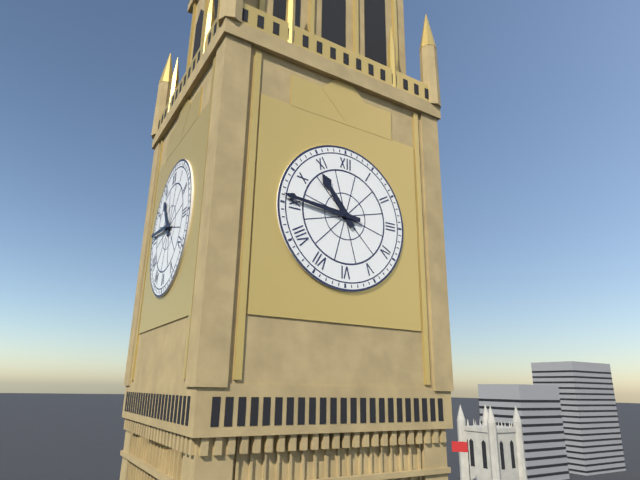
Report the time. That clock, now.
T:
10:46
